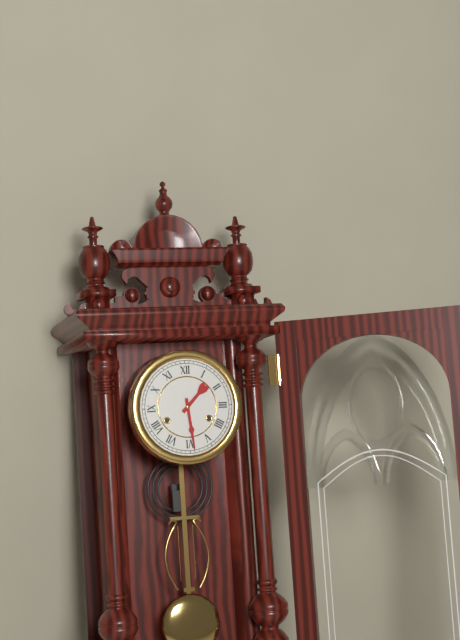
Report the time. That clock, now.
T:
1:29
